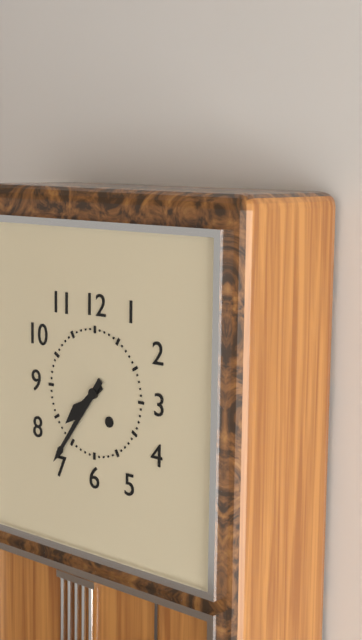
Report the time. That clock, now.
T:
7:36
